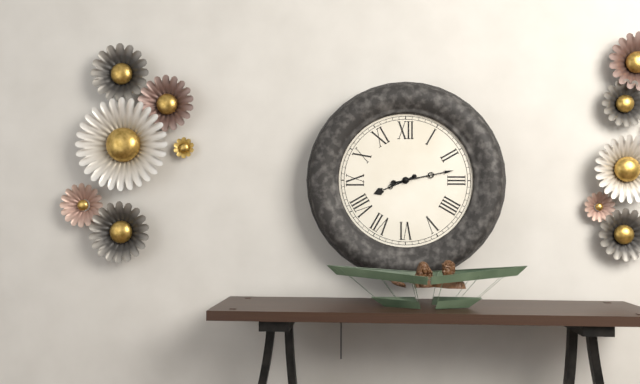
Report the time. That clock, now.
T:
8:13
